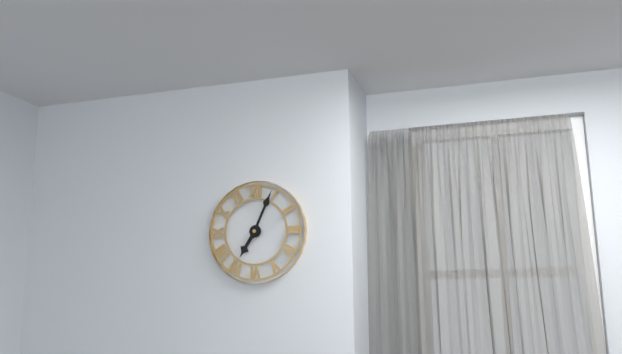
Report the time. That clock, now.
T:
7:04
